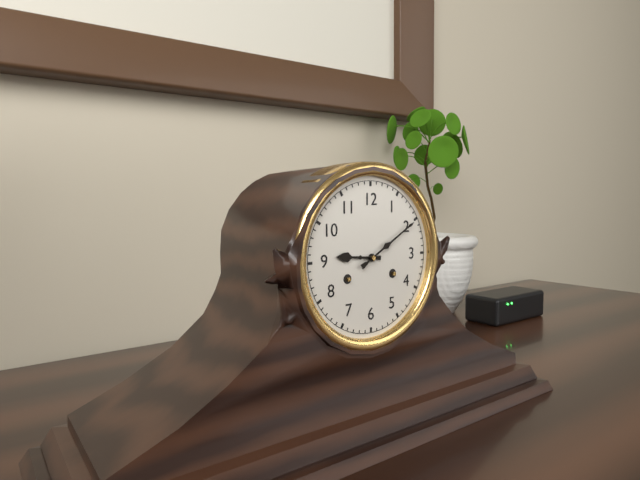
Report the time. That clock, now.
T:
9:10
